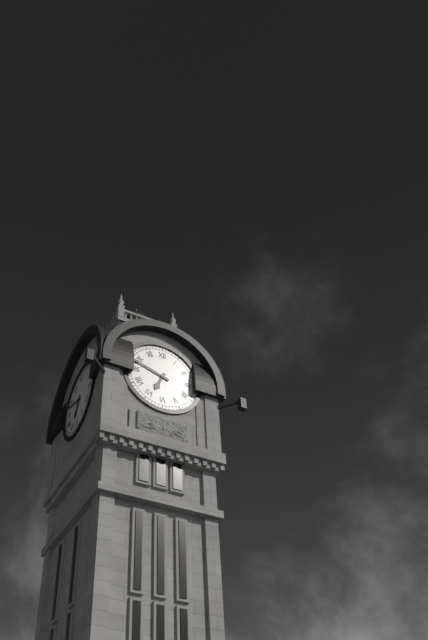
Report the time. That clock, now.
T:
6:48
